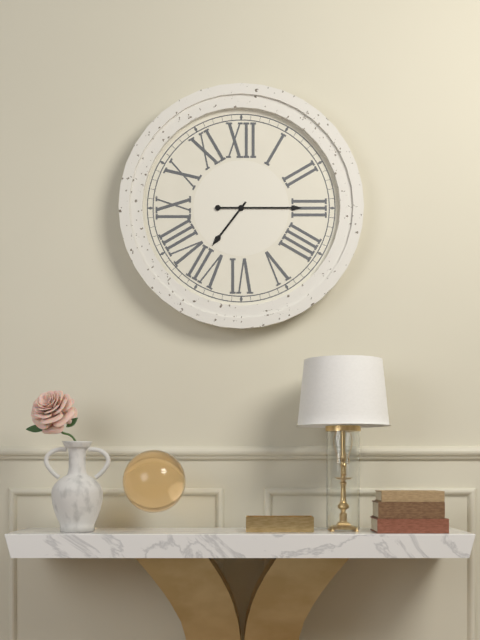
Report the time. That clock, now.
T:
7:15
